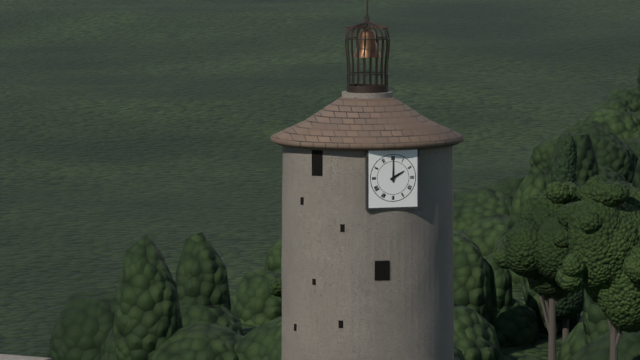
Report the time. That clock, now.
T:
2:00
